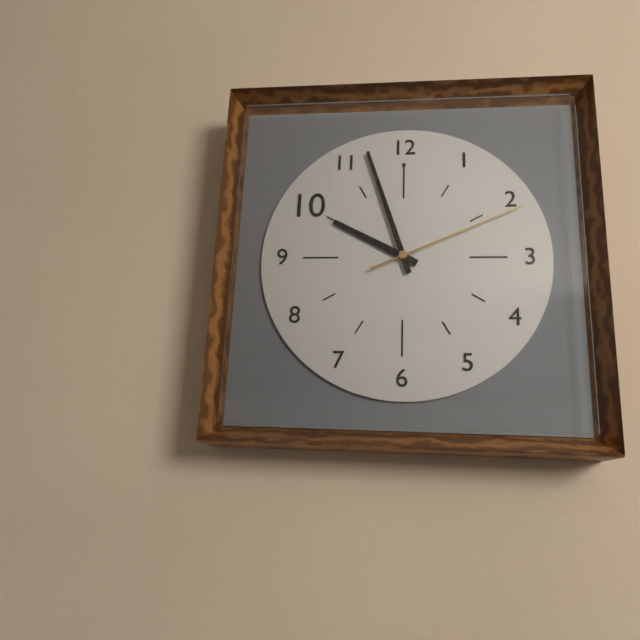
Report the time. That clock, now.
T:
9:57:11
